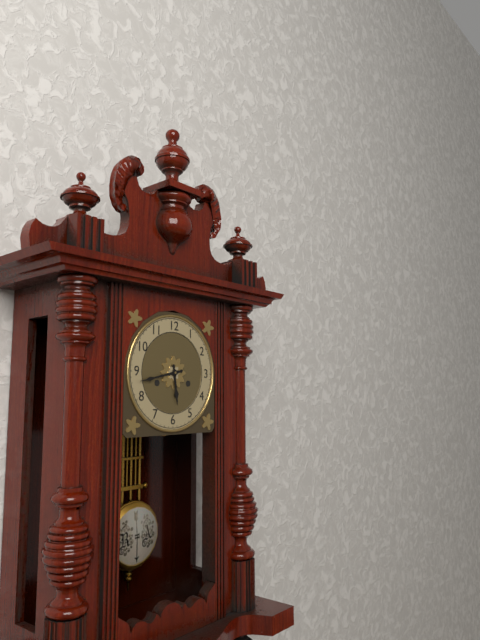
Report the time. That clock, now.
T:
5:43
